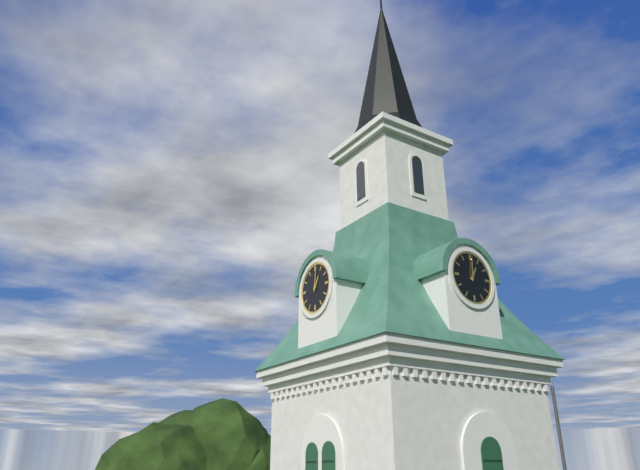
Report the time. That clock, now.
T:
1:01
